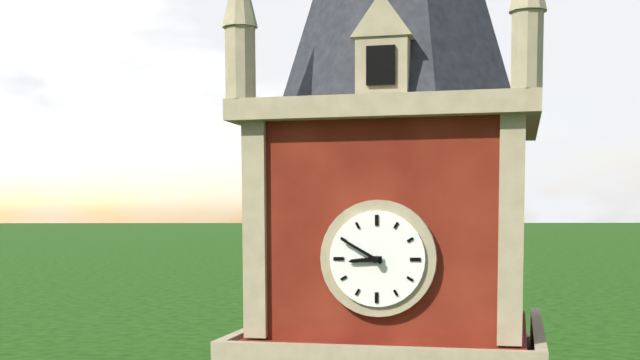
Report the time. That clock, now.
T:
8:50
